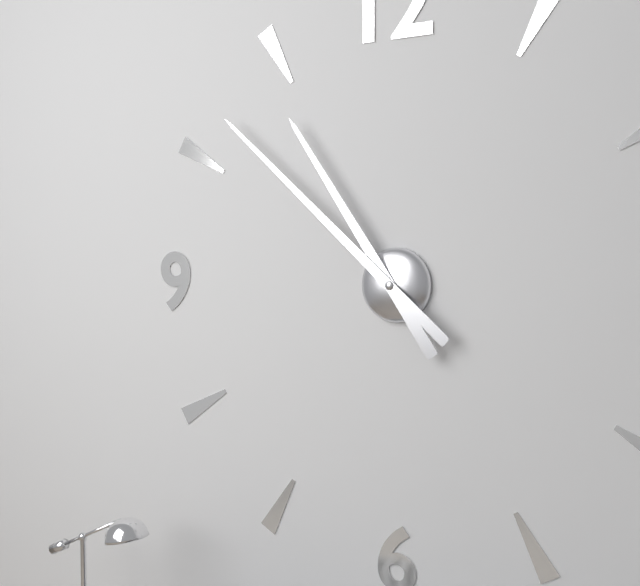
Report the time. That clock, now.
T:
10:52
